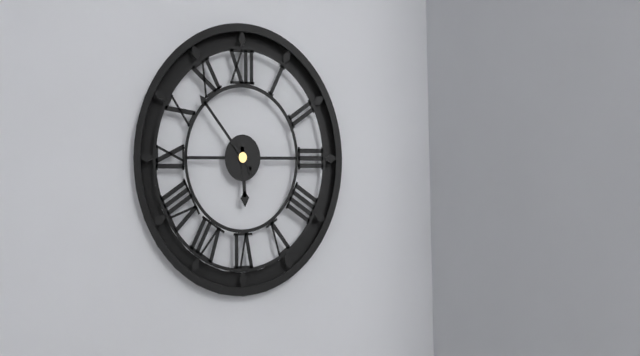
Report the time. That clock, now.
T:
5:53
